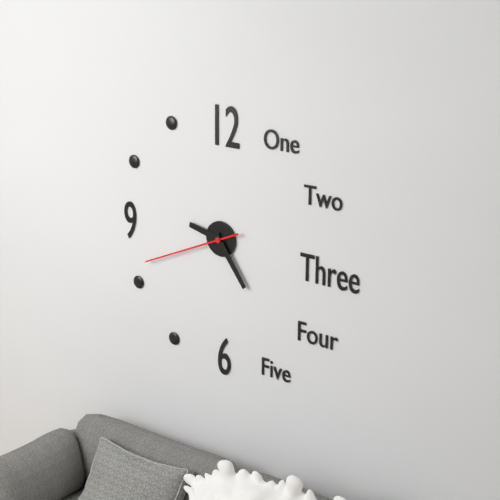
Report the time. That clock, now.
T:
9:24:41
